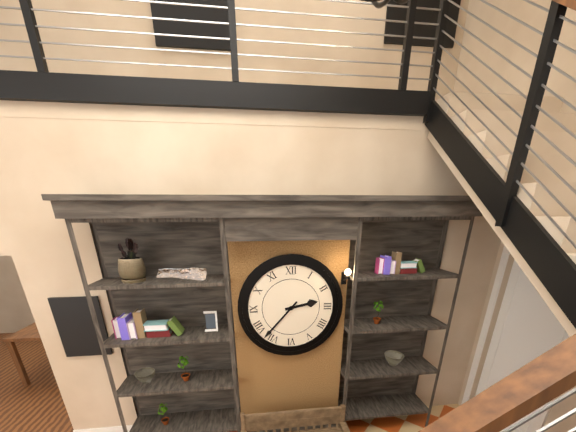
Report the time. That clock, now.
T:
2:37
